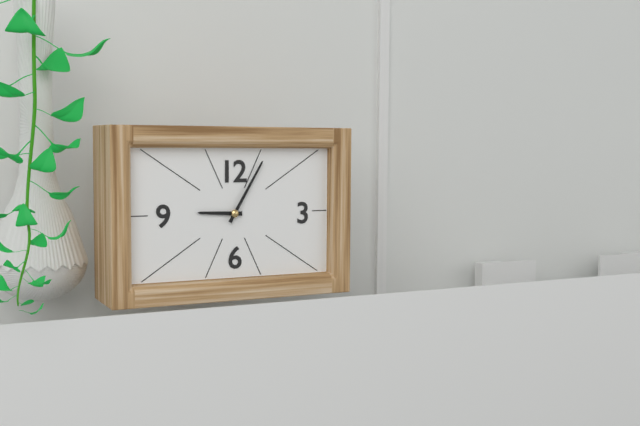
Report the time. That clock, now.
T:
9:05
